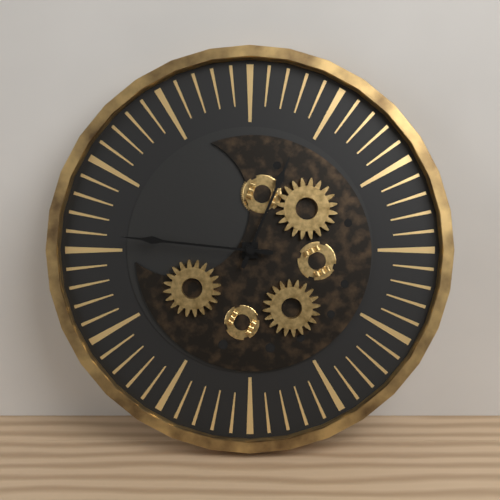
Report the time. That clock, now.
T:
12:46
